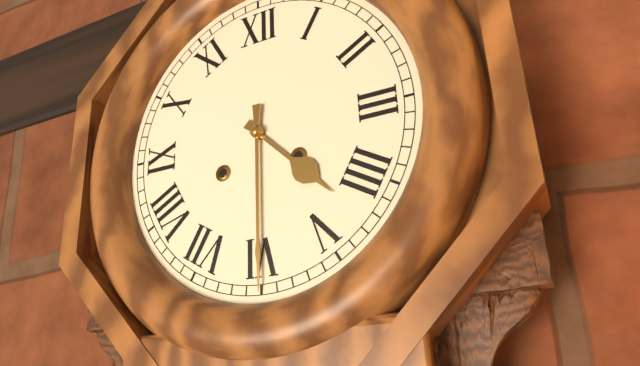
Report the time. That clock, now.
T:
4:30
